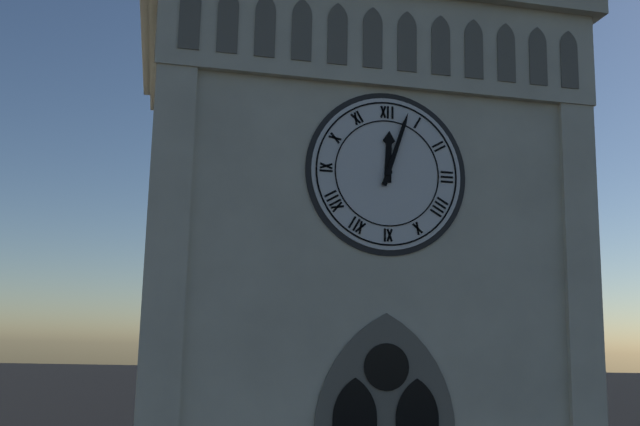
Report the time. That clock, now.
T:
12:03
